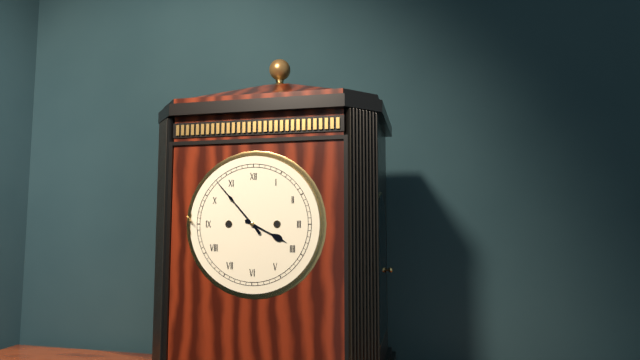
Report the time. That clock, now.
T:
3:53
